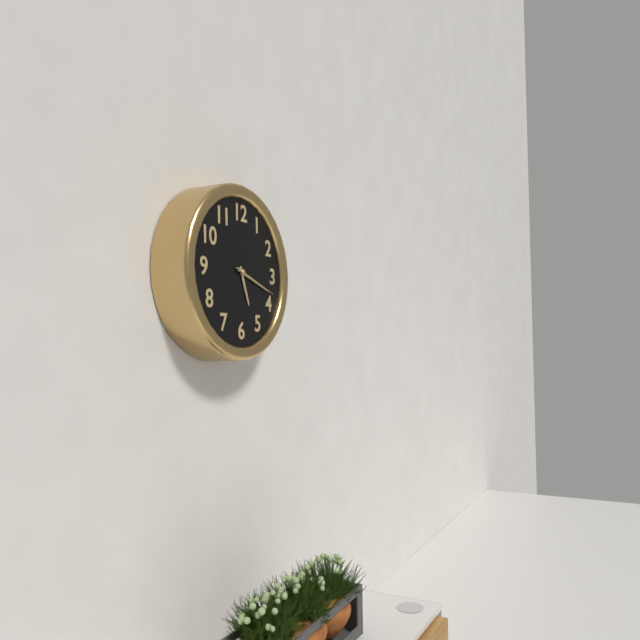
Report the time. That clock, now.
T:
5:18
